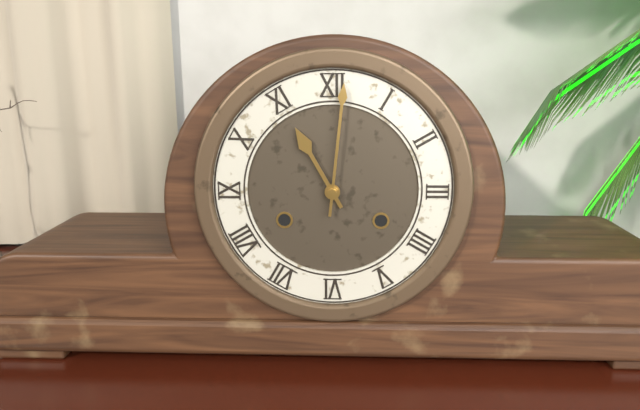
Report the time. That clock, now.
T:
11:01
